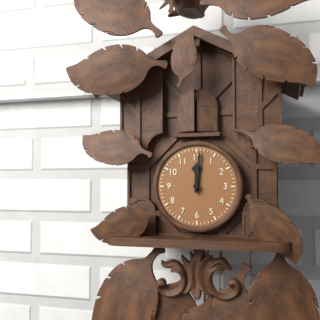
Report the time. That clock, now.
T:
12:01
